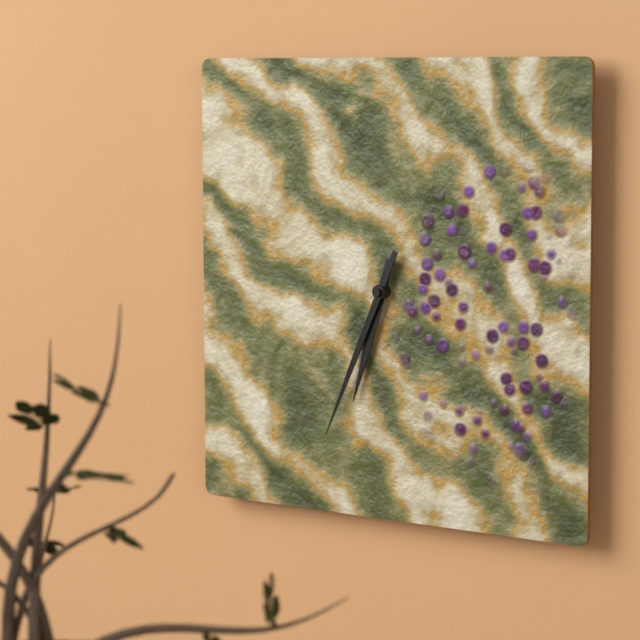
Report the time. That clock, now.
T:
6:34
